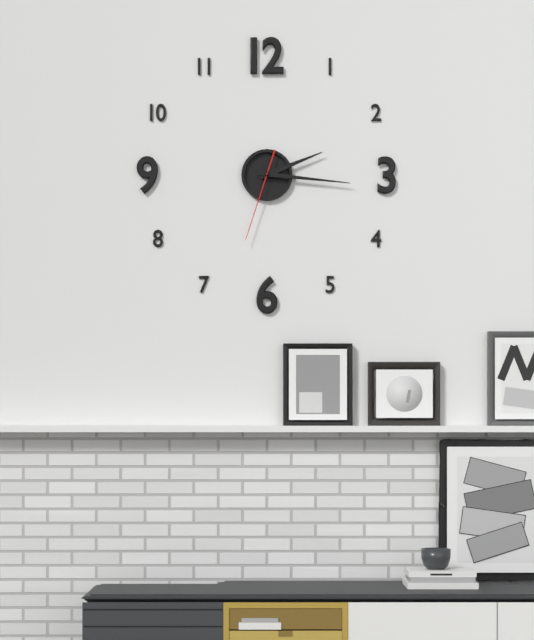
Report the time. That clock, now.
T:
2:16:33
